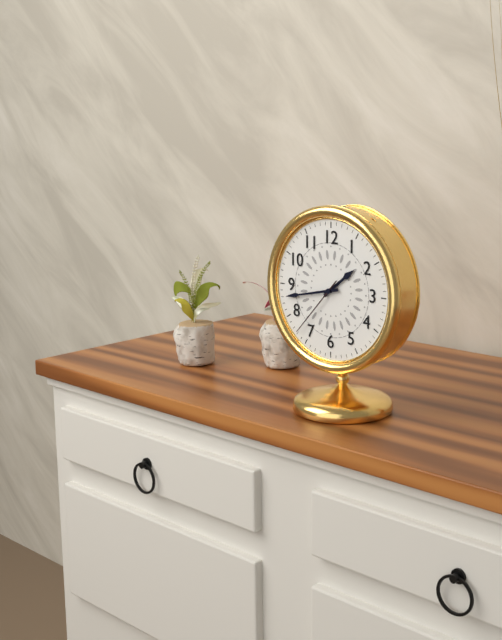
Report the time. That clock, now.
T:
1:43:37
